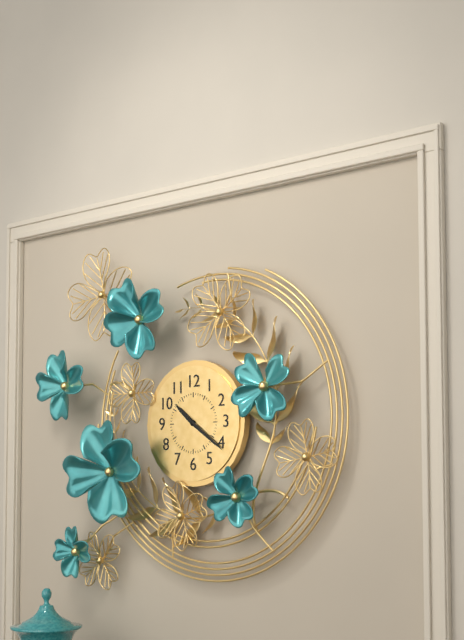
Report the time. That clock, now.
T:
10:21
